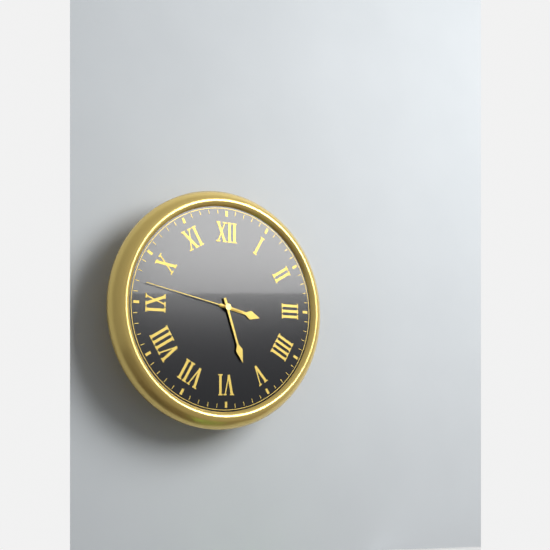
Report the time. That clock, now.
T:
3:27:47
